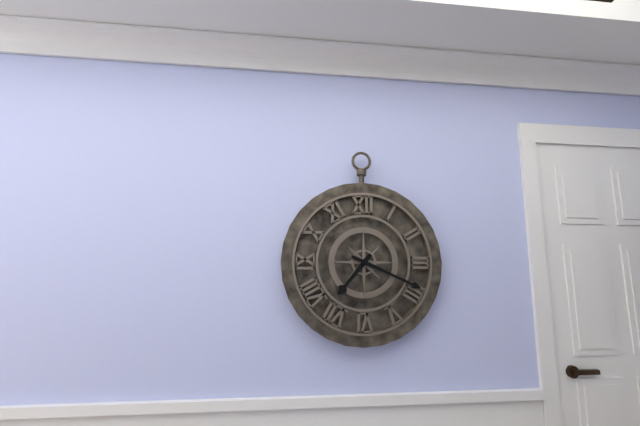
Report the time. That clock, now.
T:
7:19
